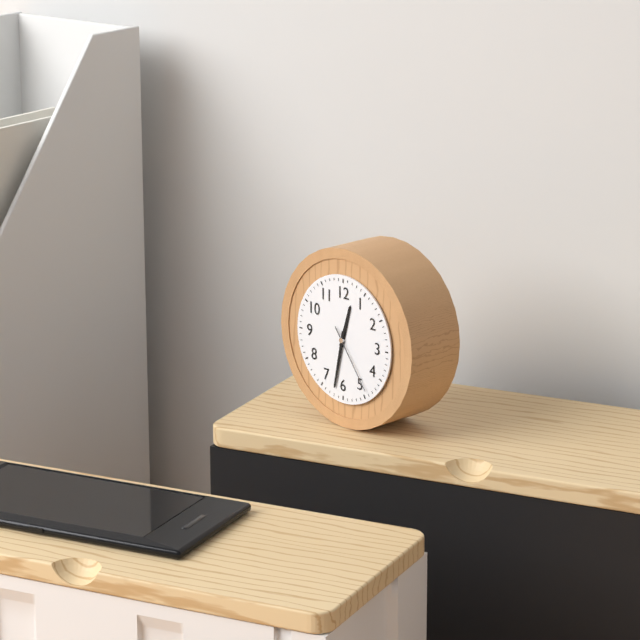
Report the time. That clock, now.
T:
12:32:24
